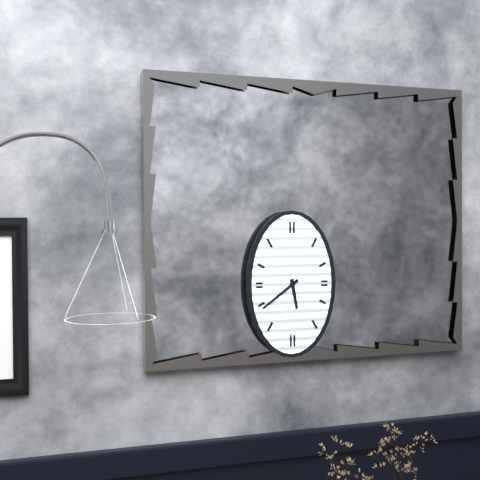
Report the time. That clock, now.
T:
5:39
